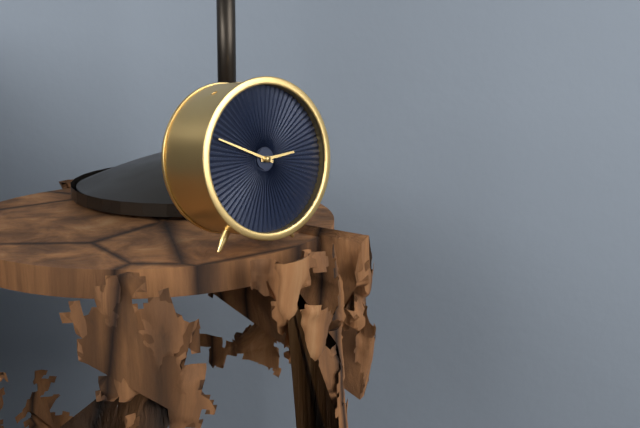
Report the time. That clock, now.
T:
2:49
